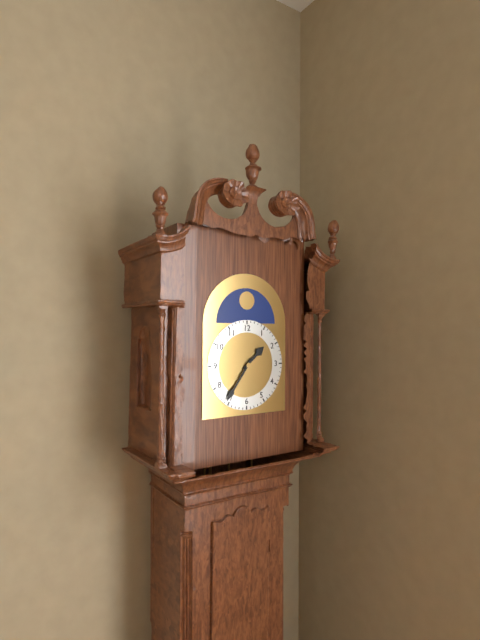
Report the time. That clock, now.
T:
1:36
